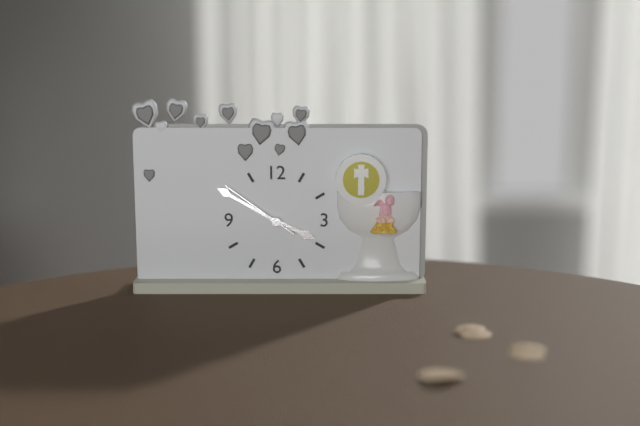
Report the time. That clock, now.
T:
3:50:51
